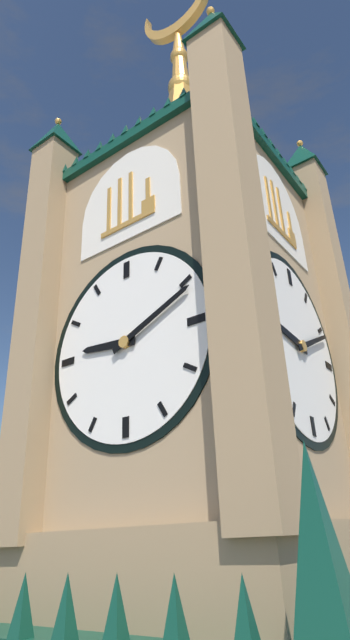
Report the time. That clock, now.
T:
9:11
